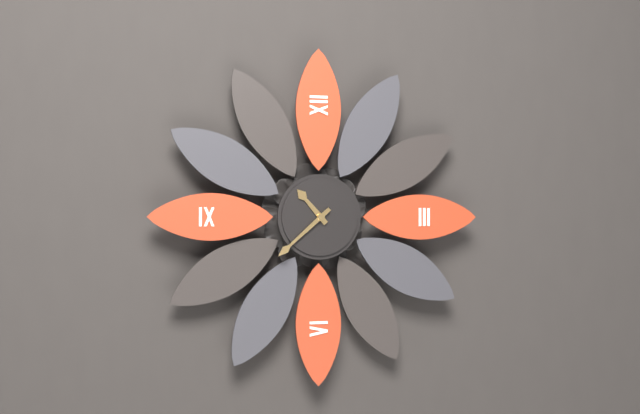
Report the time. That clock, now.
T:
10:38
